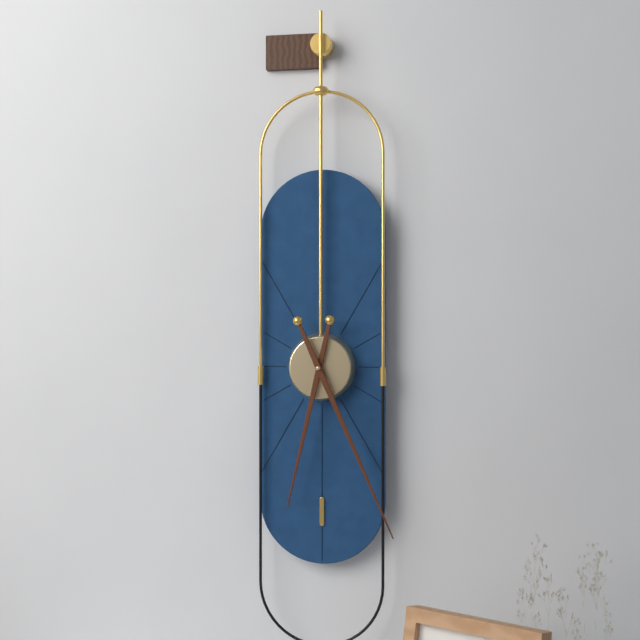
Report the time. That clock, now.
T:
6:26
